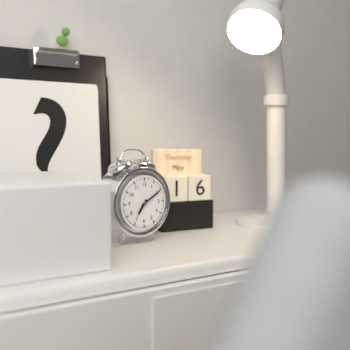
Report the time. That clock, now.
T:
7:10
